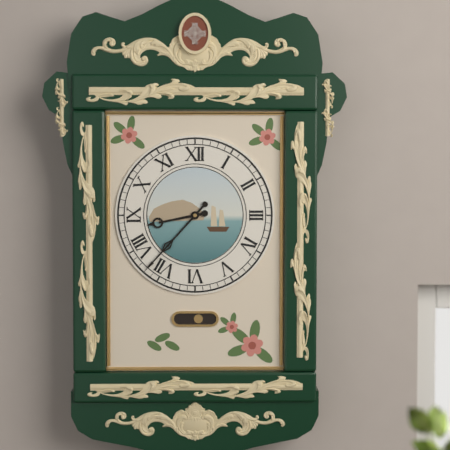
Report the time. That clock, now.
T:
8:37
